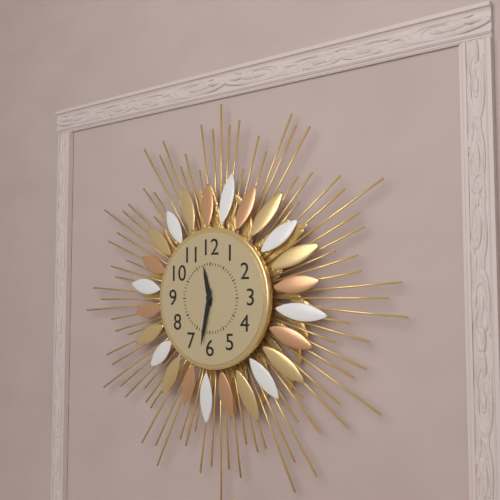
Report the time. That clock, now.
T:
11:32
